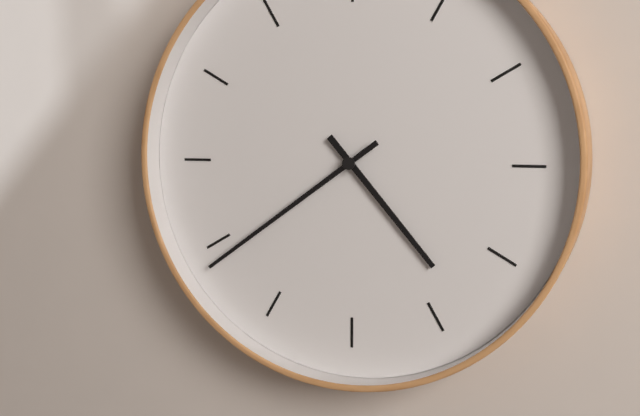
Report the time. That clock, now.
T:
4:39
